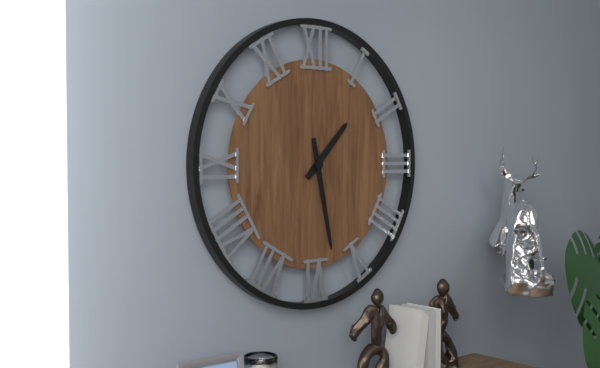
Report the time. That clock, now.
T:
1:28
